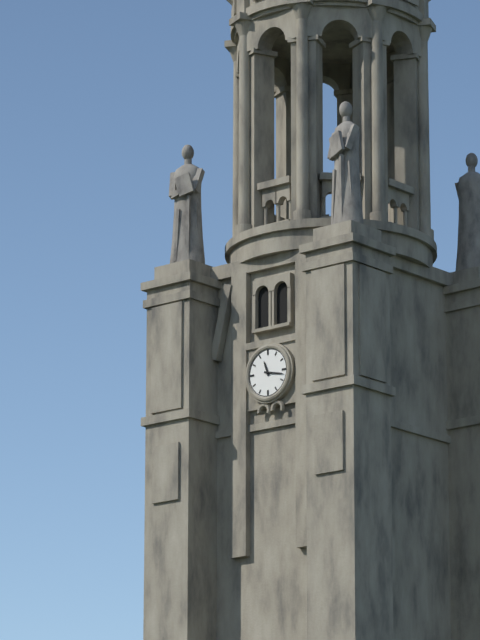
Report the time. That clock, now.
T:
11:17
